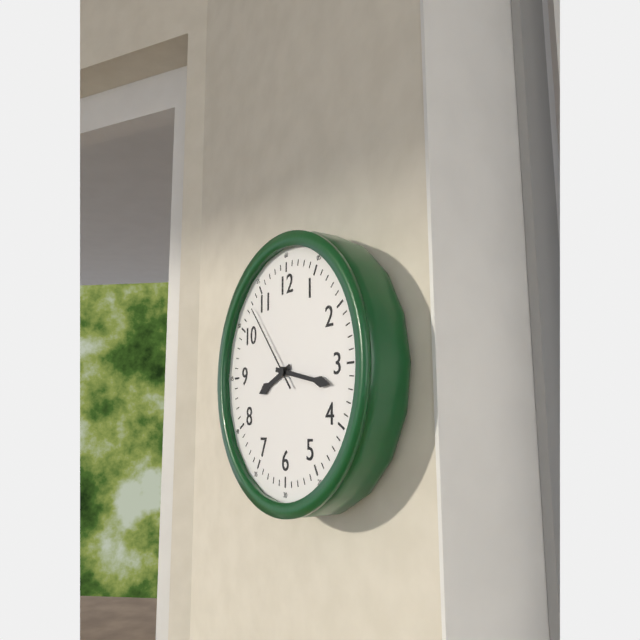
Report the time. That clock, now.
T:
8:17:53
